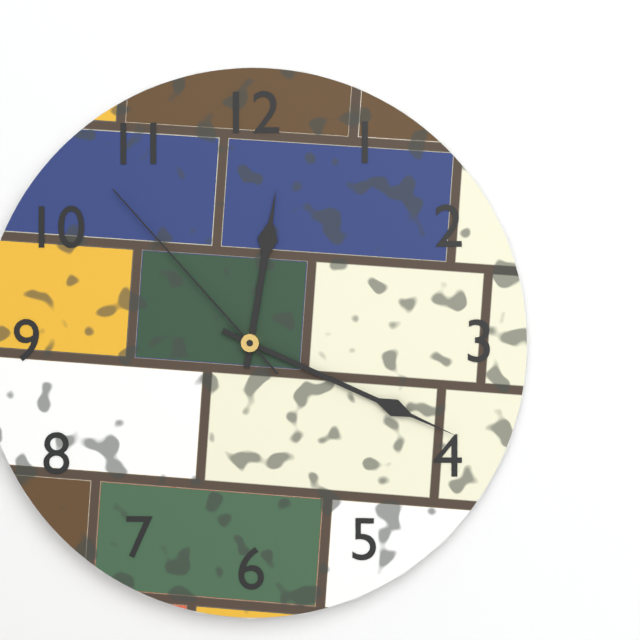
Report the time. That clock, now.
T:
12:19:53
